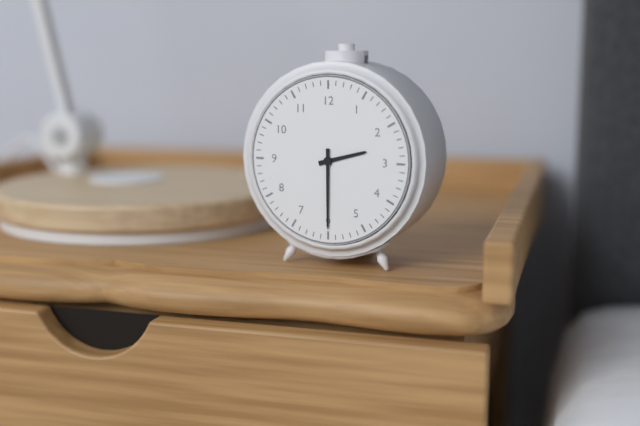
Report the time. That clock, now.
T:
2:30
